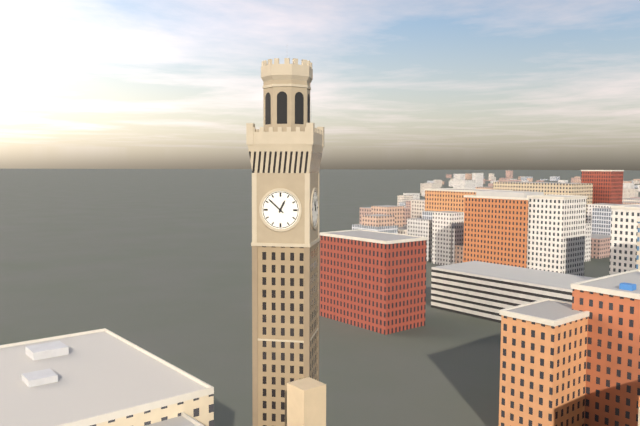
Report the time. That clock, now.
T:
12:52
